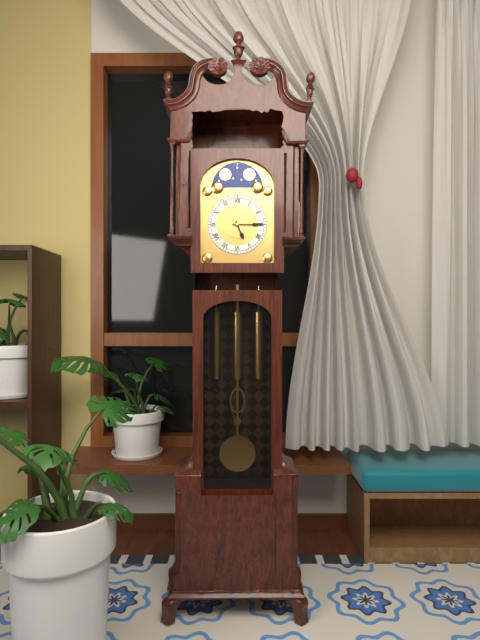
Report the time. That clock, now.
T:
5:15
